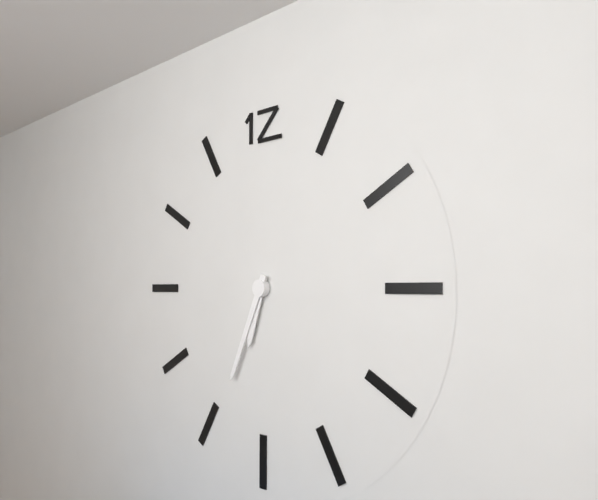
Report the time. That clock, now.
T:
6:34
